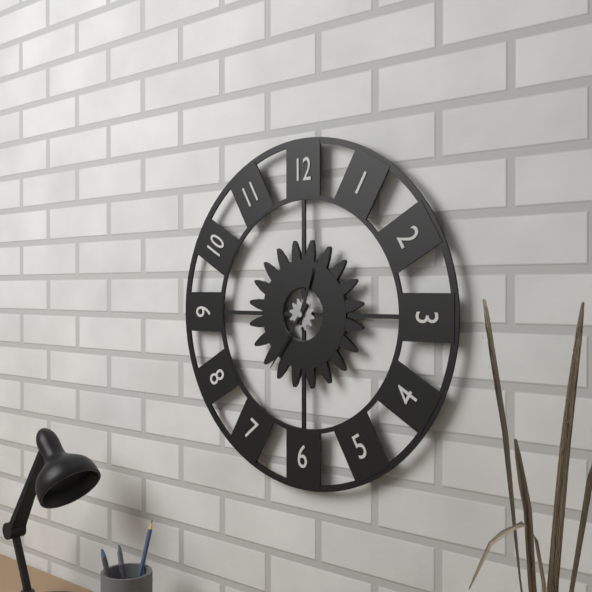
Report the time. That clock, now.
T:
12:36
